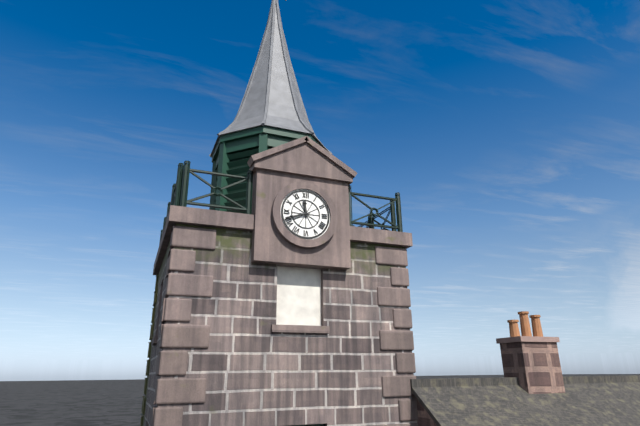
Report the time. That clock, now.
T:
11:42
